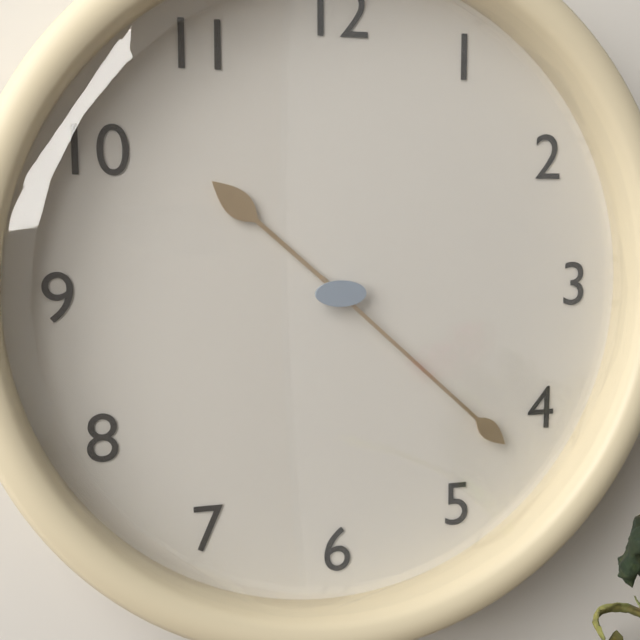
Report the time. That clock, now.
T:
10:22
